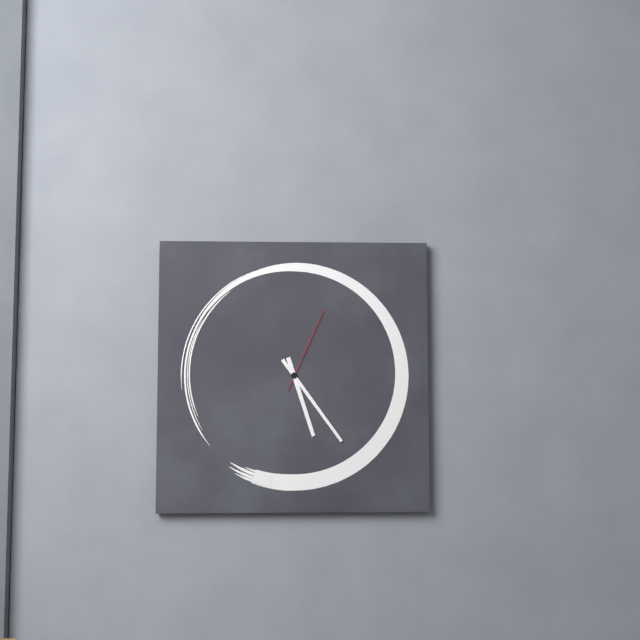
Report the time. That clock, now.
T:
5:24:04
